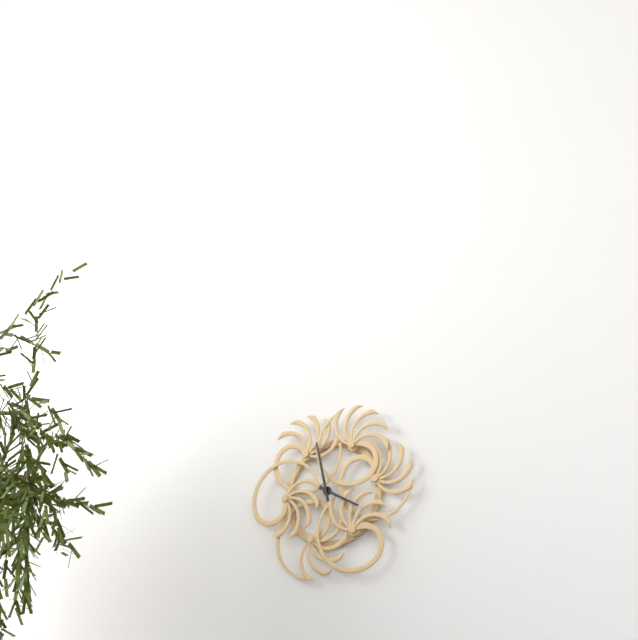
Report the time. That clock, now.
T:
3:58
